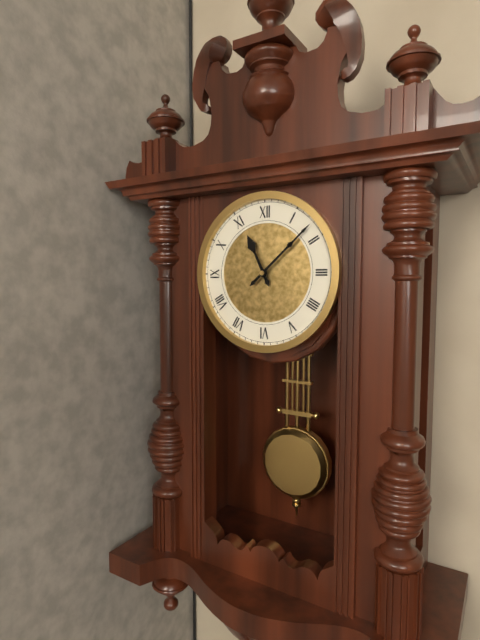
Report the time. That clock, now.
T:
11:08
